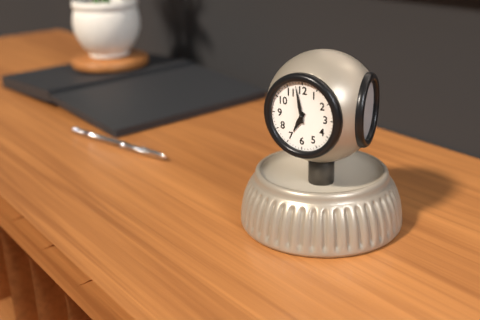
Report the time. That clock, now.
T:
6:58
